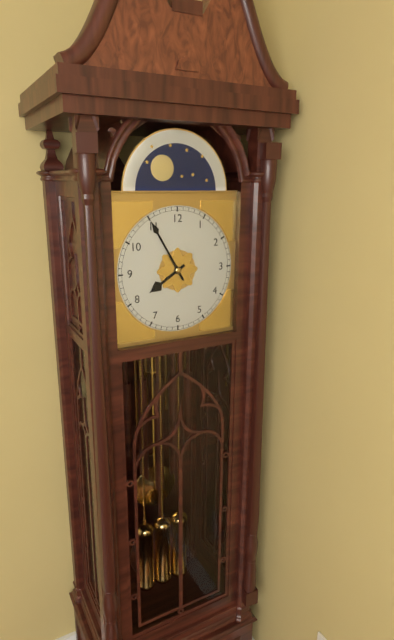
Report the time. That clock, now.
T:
7:55
